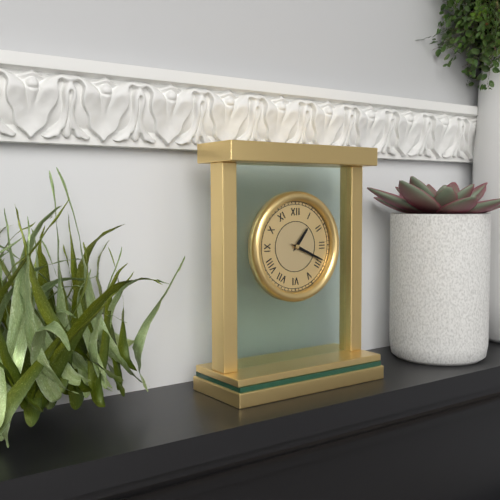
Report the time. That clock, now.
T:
1:19
